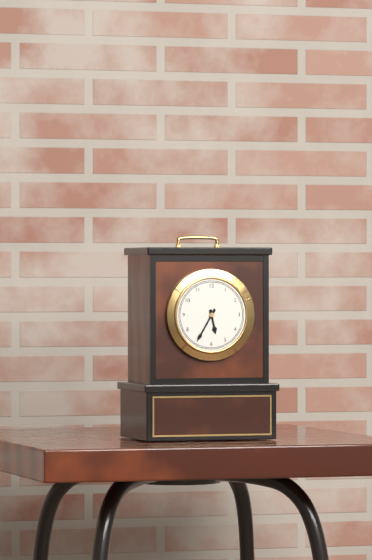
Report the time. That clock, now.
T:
5:35
